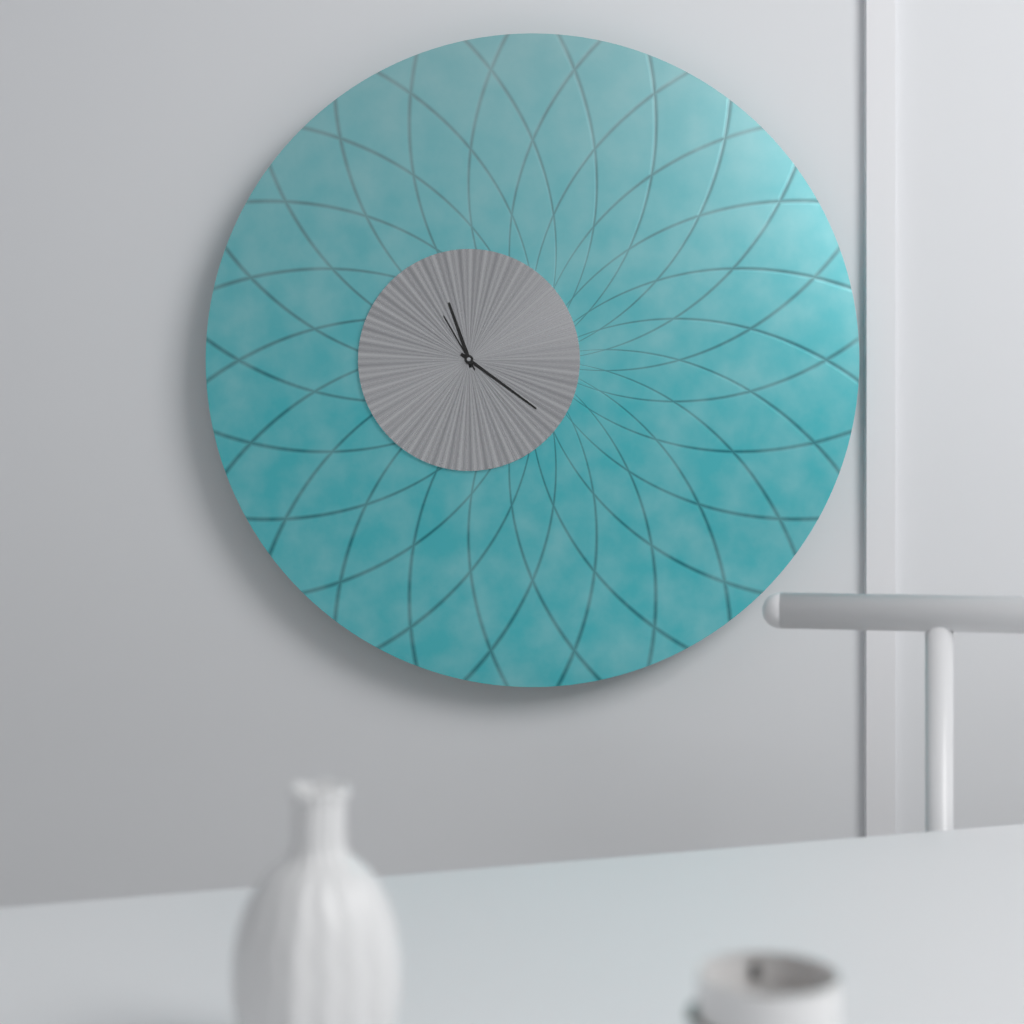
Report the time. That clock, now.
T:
11:21:55
